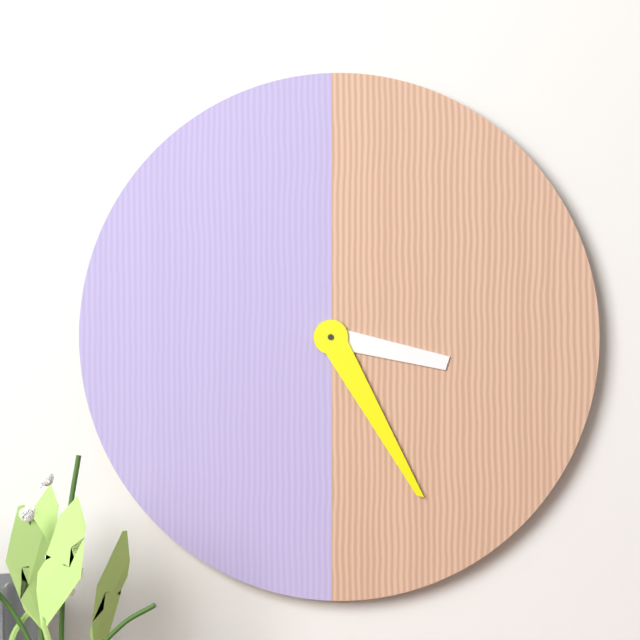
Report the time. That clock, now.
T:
3:25
